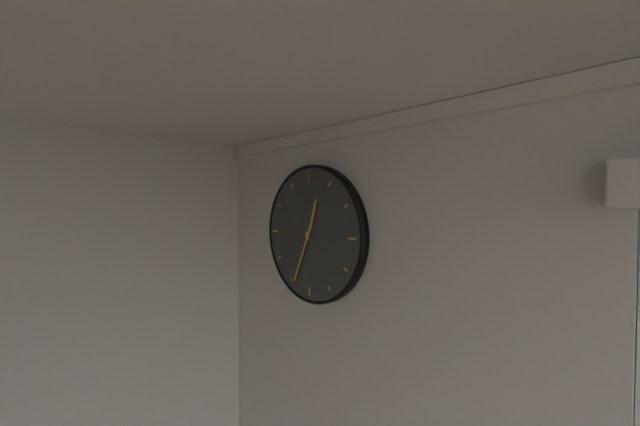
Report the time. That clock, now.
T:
12:34
